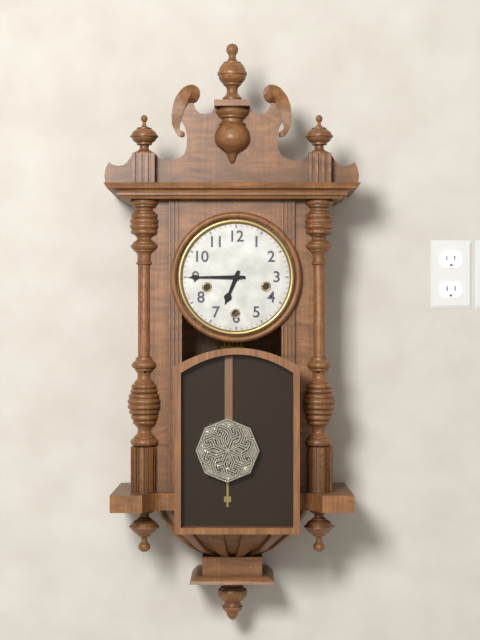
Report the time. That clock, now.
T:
6:45
